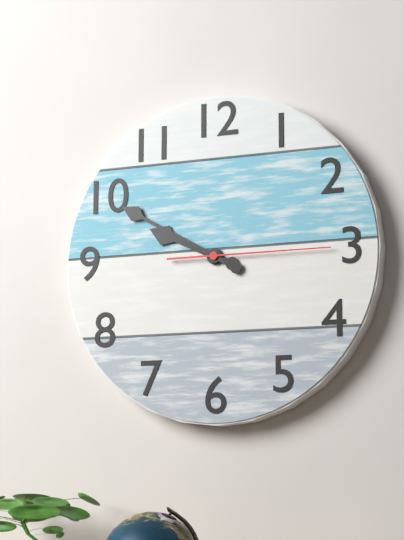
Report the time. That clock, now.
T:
9:50:15
